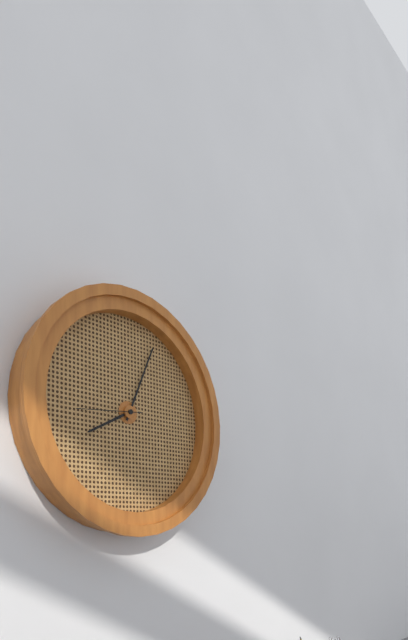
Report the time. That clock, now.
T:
8:04:44
